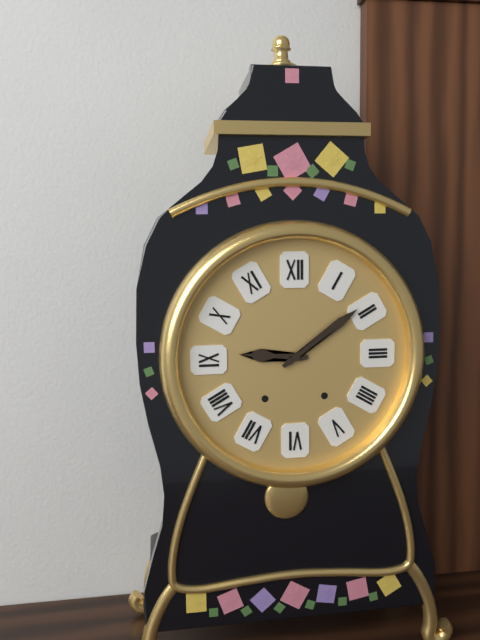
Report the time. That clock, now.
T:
9:09
